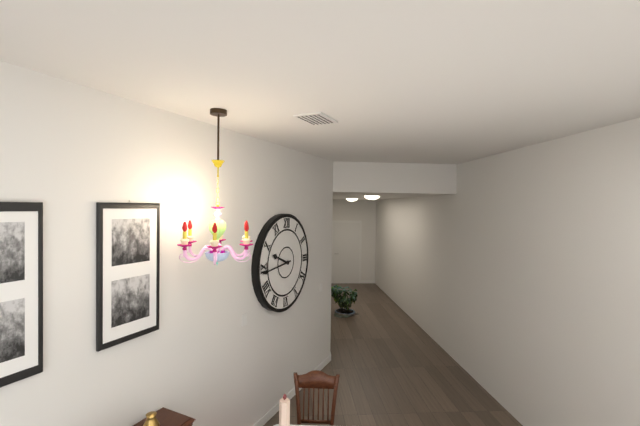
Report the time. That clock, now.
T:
9:44
